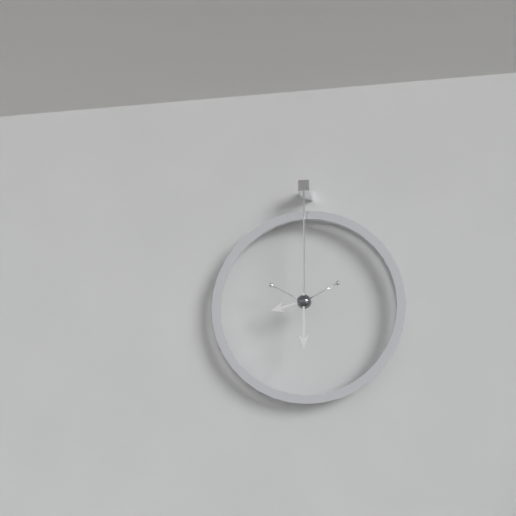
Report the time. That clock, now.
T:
8:30
